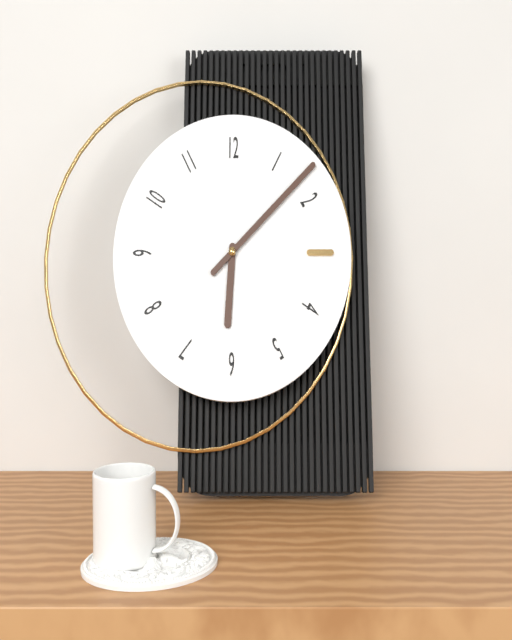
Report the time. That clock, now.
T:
6:08
